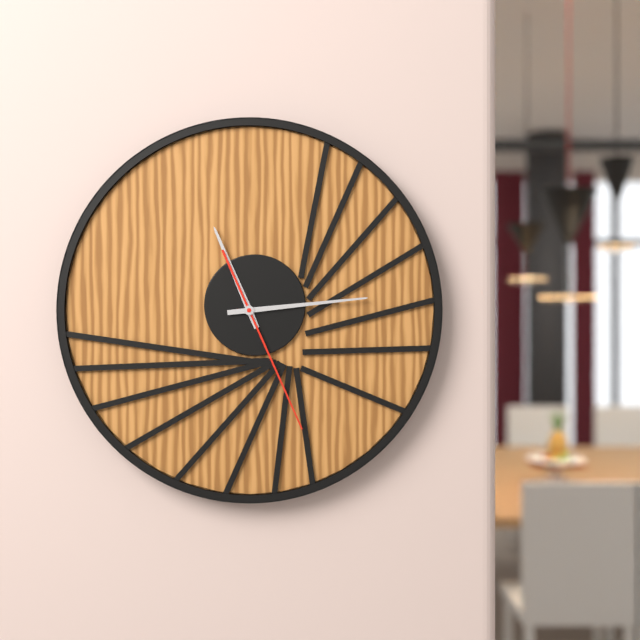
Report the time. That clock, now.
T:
11:14:26
